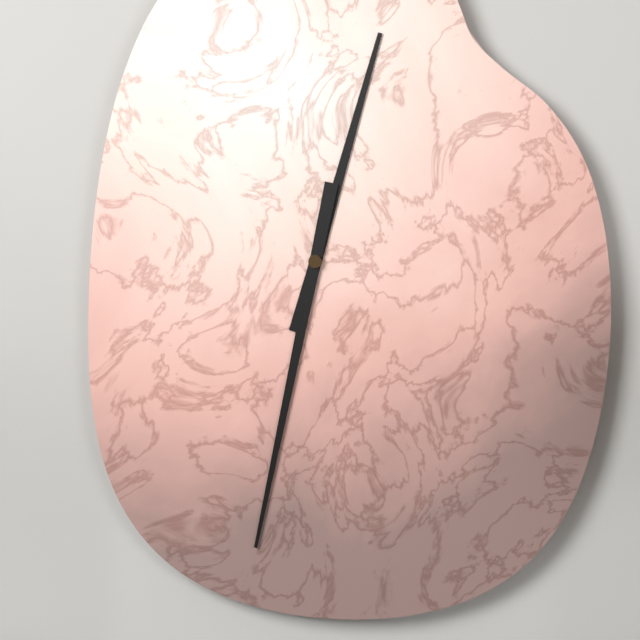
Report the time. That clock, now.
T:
12:32
